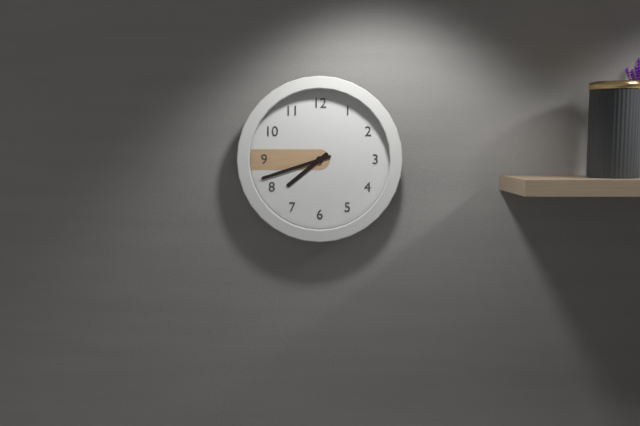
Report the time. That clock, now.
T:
7:42
